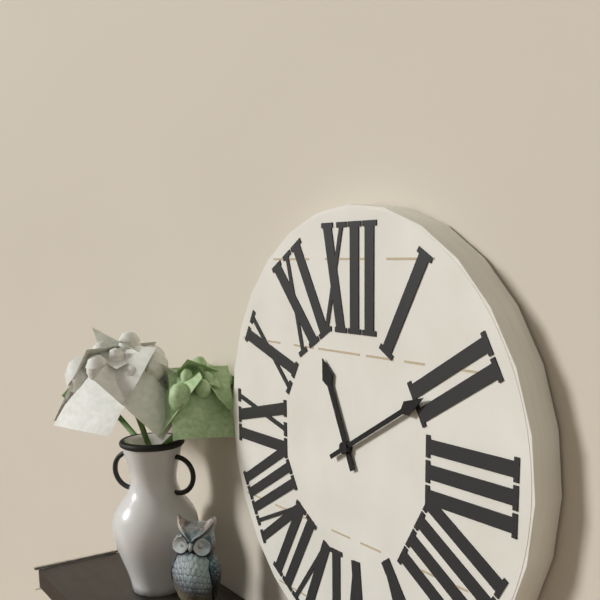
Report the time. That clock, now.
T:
11:10
